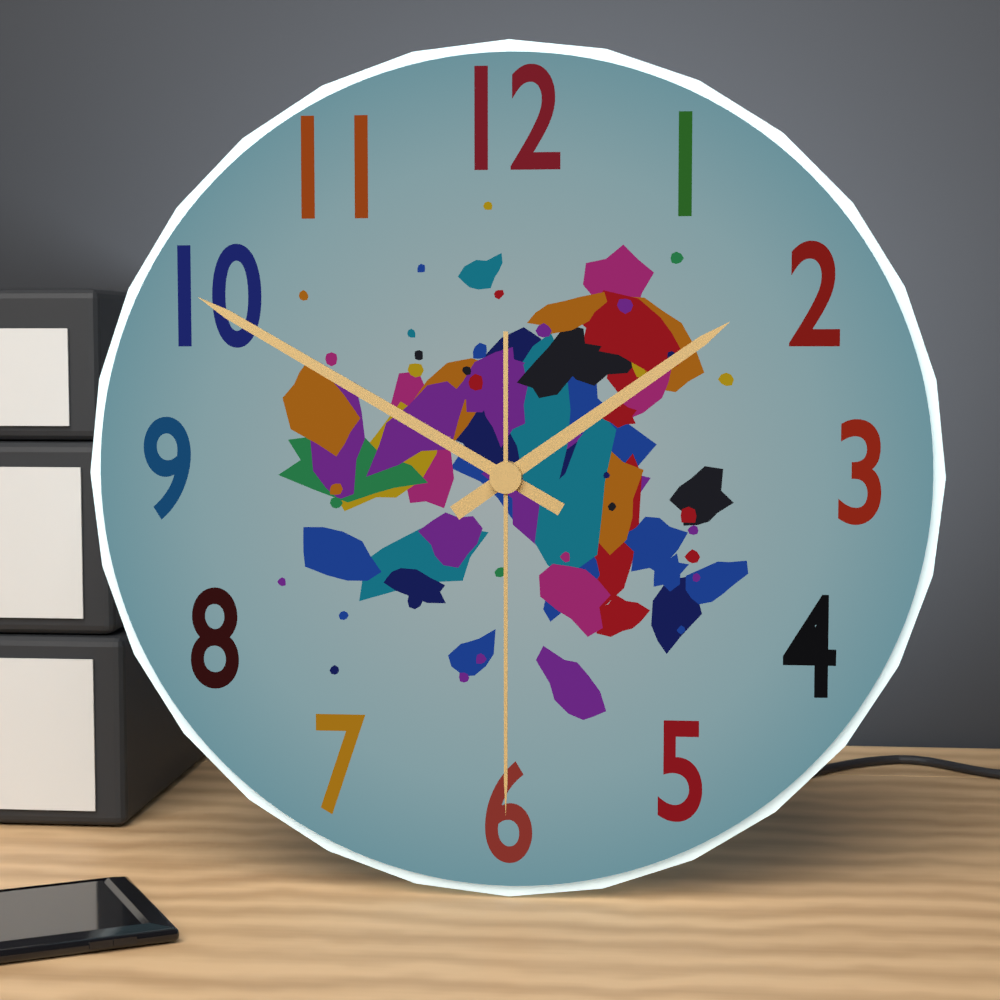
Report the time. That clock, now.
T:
1:50:30
